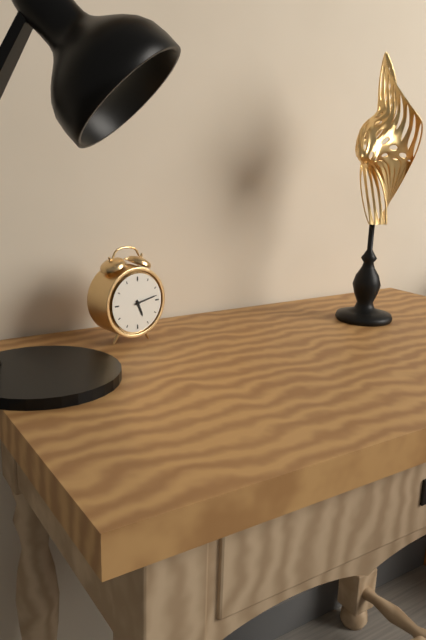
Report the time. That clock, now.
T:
5:13
